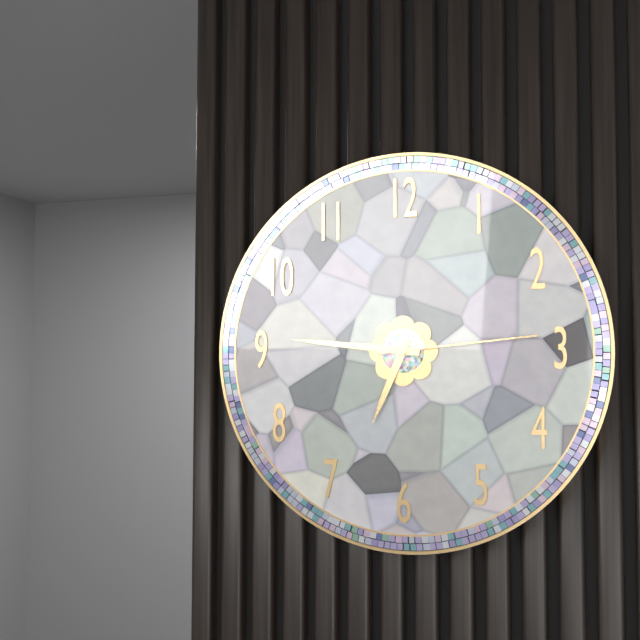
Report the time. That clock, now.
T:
6:46:14
